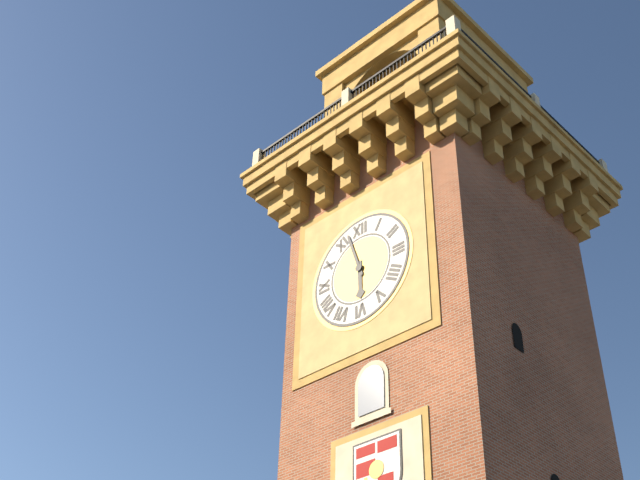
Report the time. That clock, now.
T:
5:57
